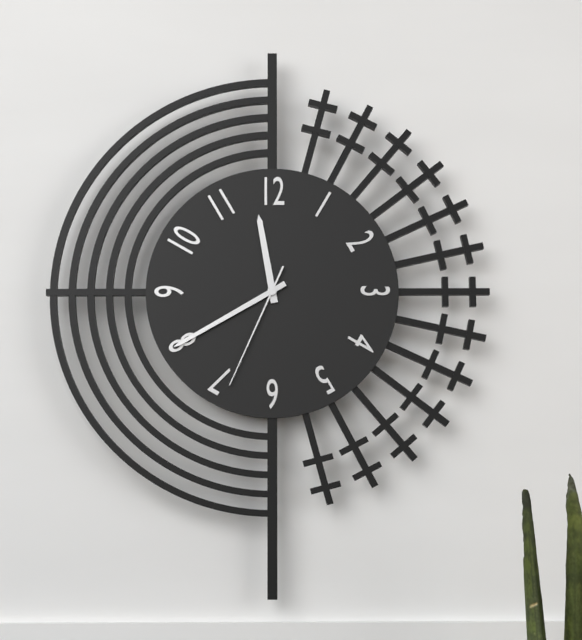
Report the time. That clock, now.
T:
11:40:34
